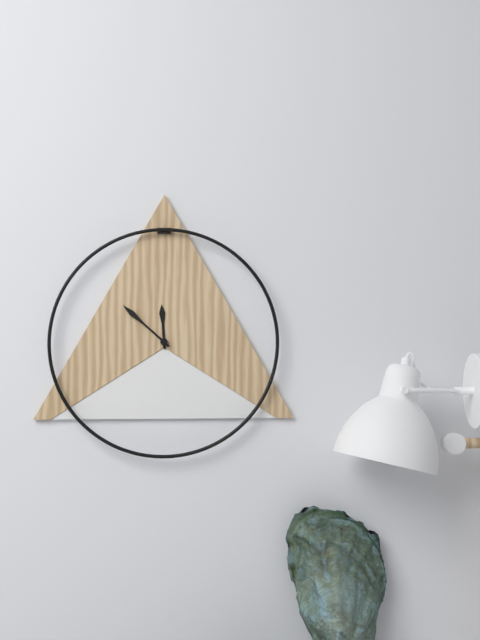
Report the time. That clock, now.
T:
11:52
